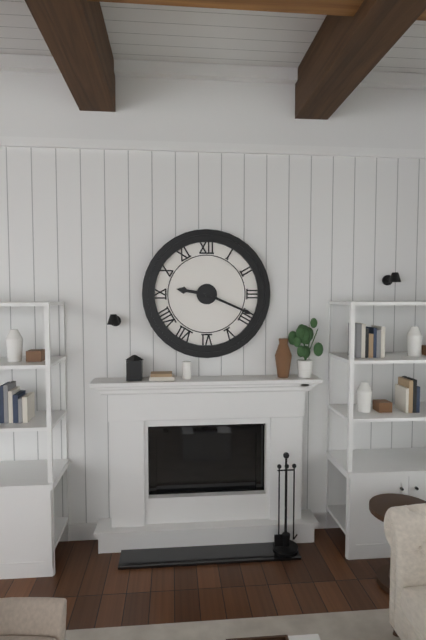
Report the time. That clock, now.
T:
9:19
